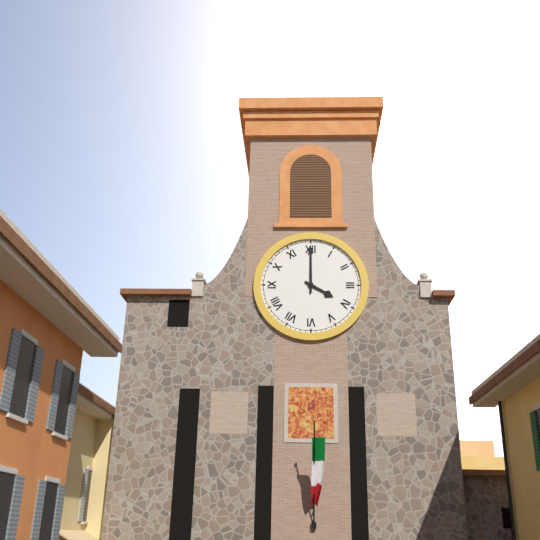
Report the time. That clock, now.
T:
4:00
